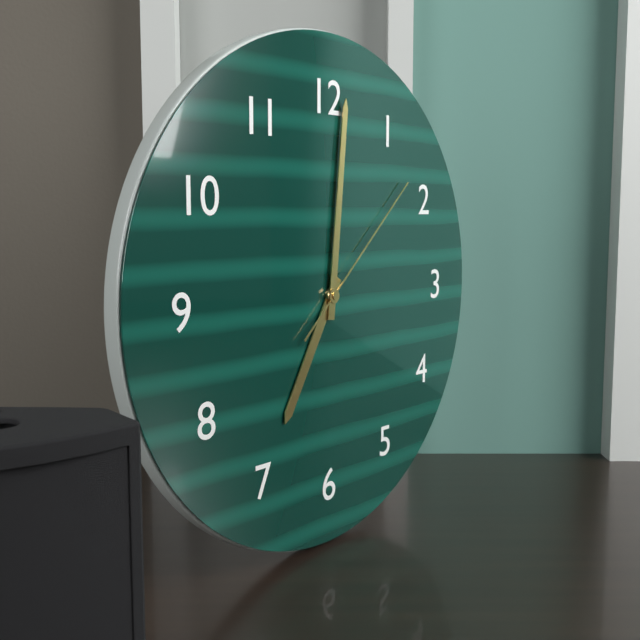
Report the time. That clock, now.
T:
7:01:08
